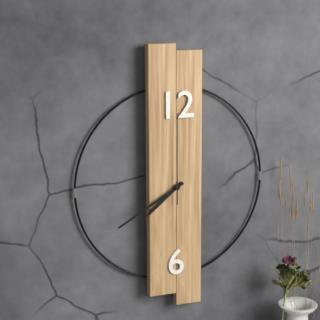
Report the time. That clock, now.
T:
7:40:00
